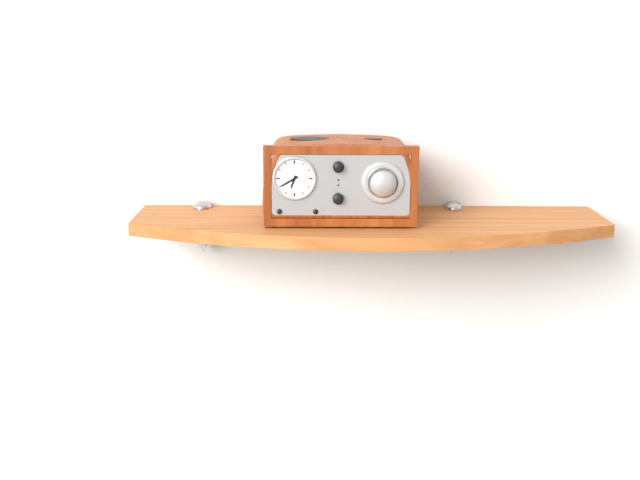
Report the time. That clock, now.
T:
6:40
